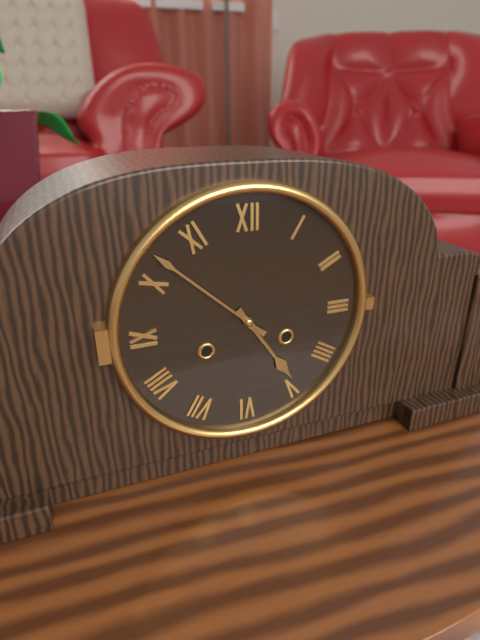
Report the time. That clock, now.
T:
4:52
